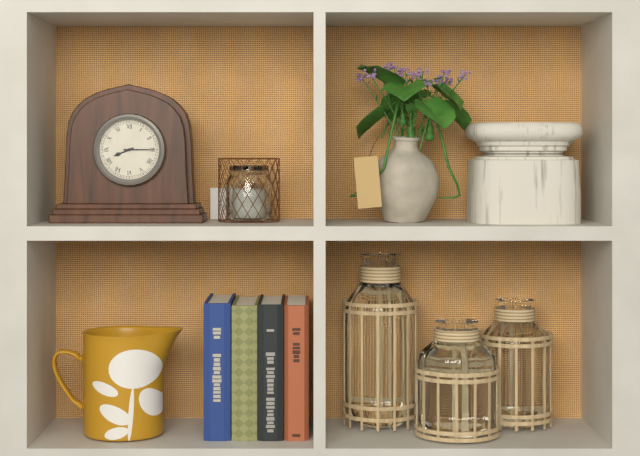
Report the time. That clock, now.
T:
8:15
